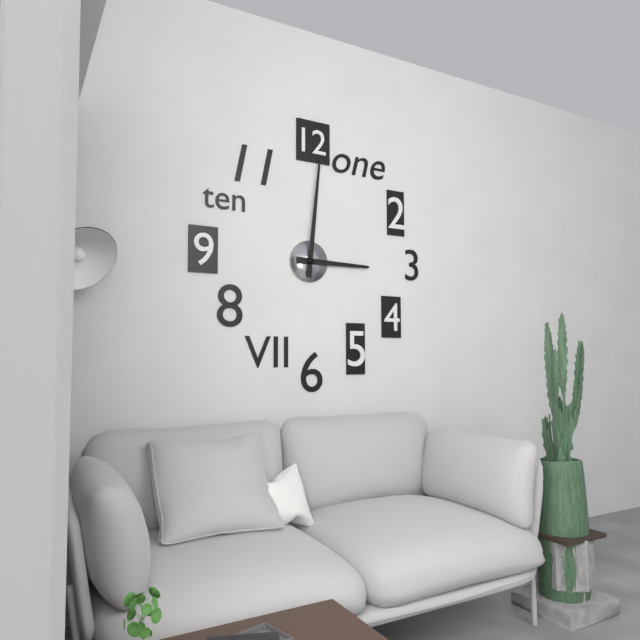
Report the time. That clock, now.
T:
3:01
